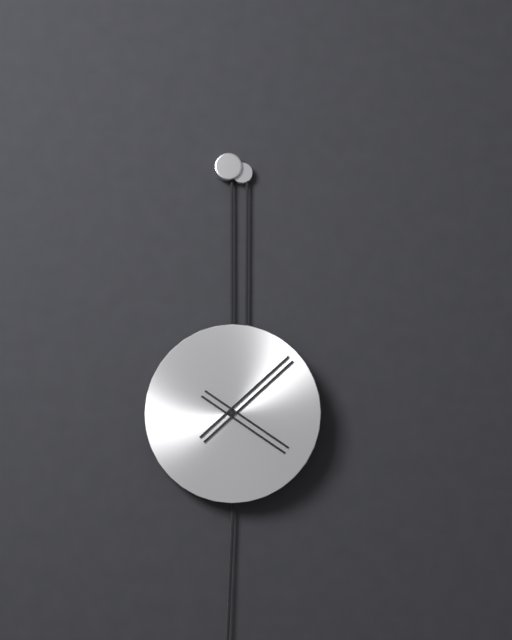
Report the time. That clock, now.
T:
4:08
